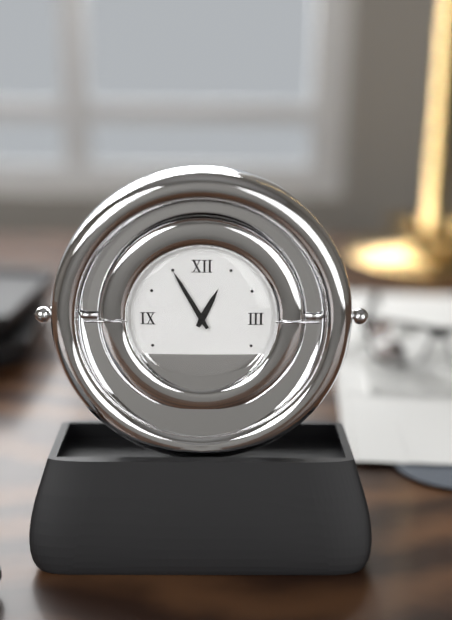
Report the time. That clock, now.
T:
12:55
